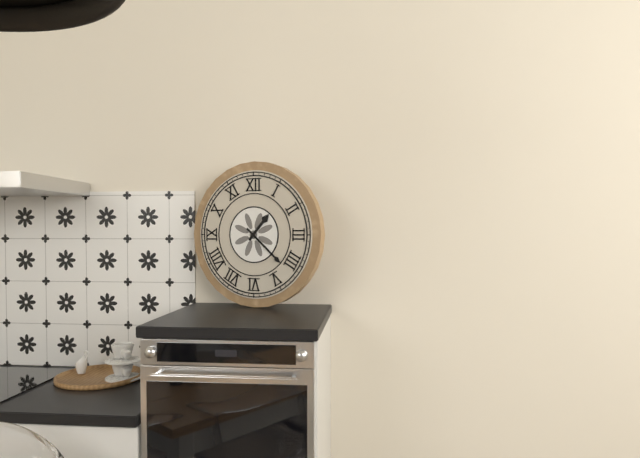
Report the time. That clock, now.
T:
1:22
